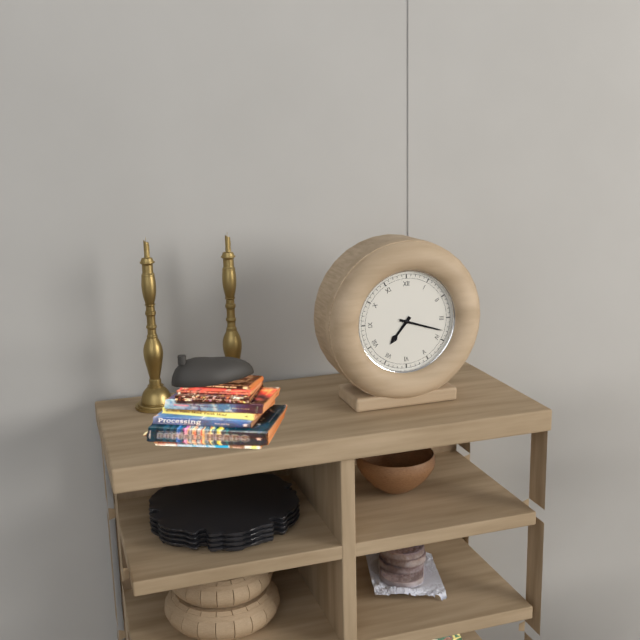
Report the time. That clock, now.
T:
7:18
